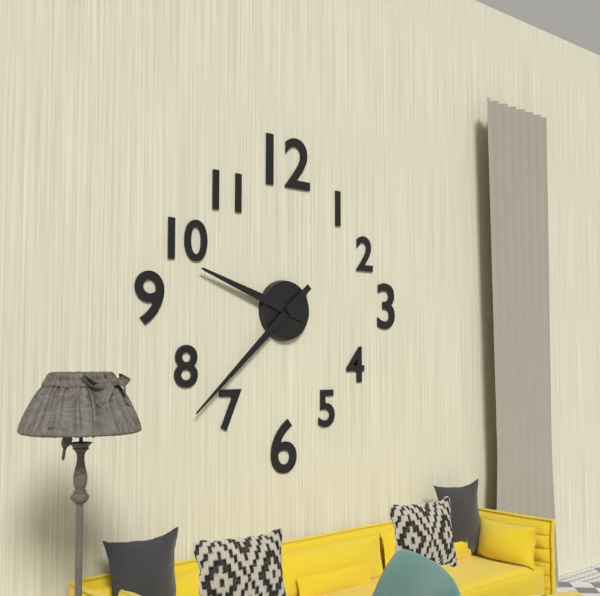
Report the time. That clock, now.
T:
9:38
